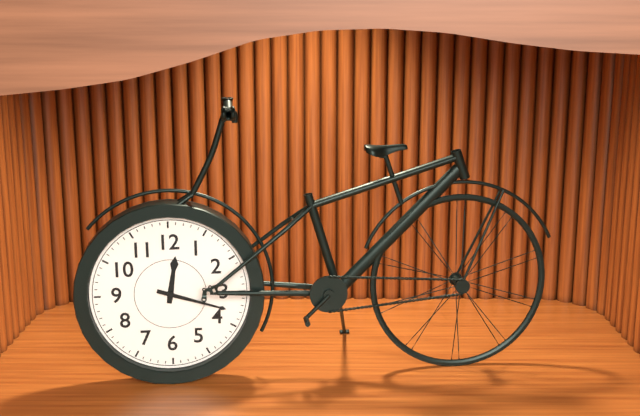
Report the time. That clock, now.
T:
12:18
